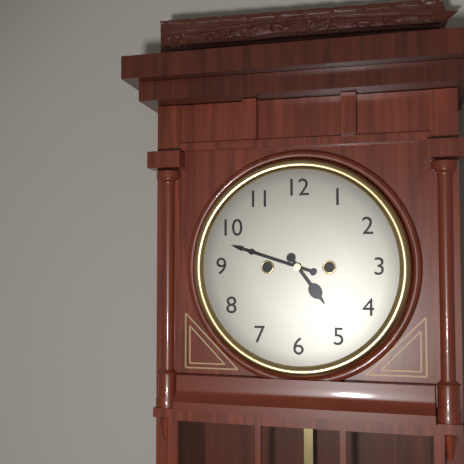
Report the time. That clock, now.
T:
4:48
